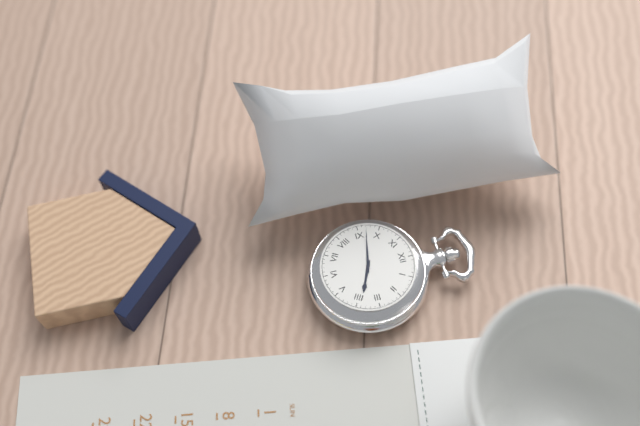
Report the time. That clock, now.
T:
3:47
